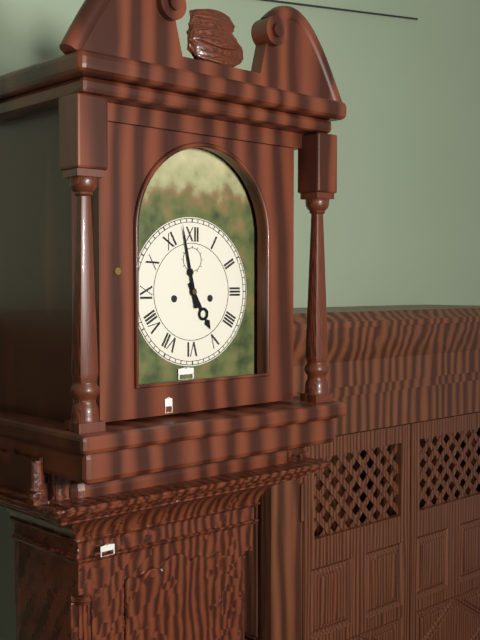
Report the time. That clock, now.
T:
4:58
